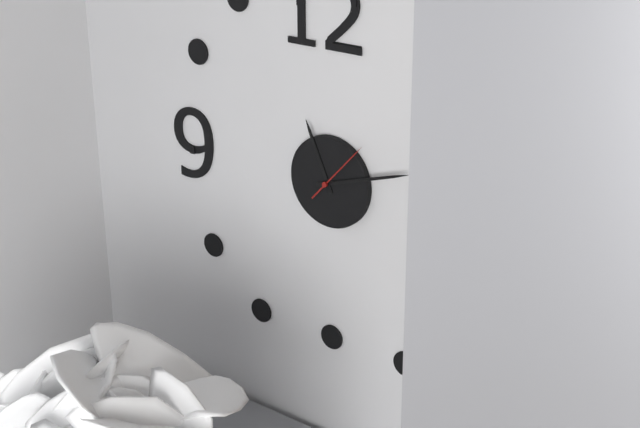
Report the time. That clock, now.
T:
11:12:07
